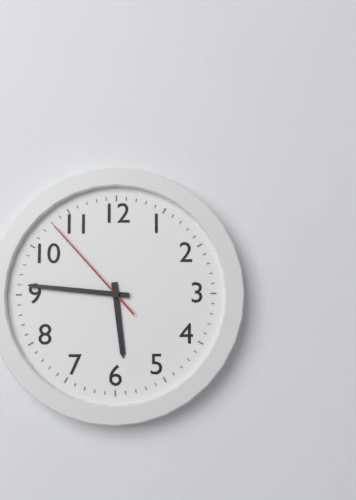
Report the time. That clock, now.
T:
5:46:53
